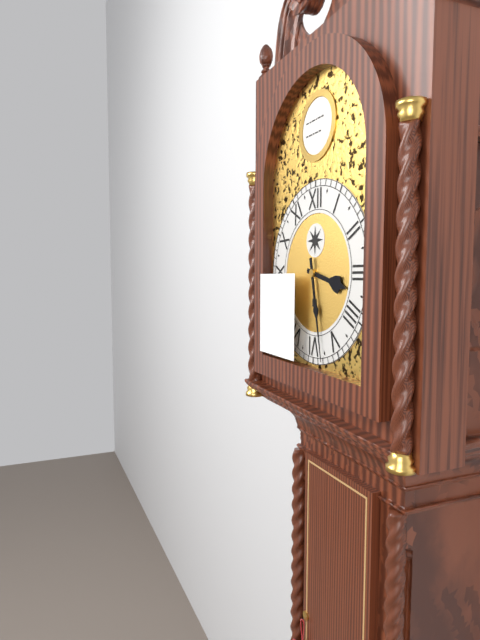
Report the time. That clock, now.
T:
3:28
